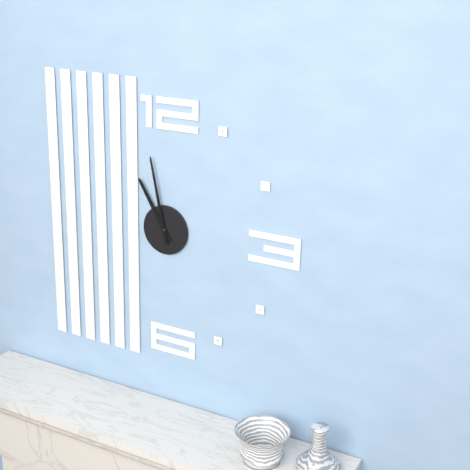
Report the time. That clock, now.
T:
10:58
